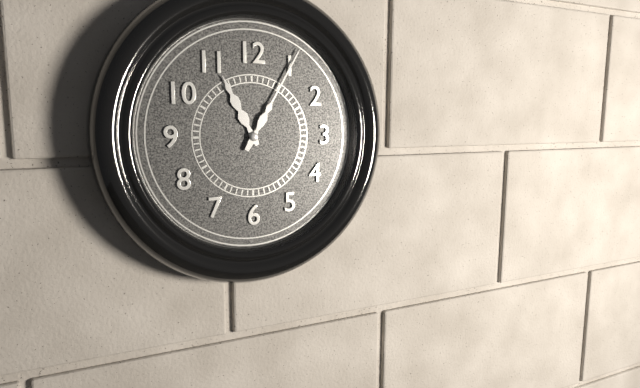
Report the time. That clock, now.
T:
11:05
